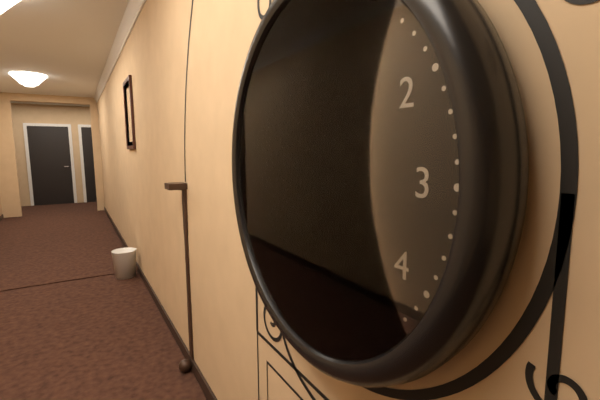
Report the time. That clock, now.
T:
1:52
